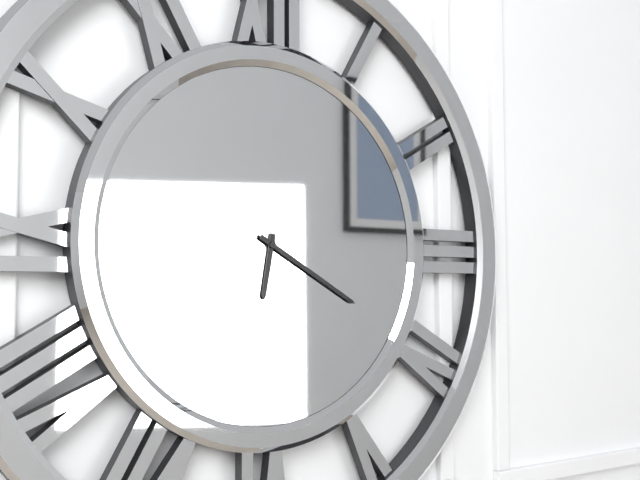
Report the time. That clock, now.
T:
6:20
